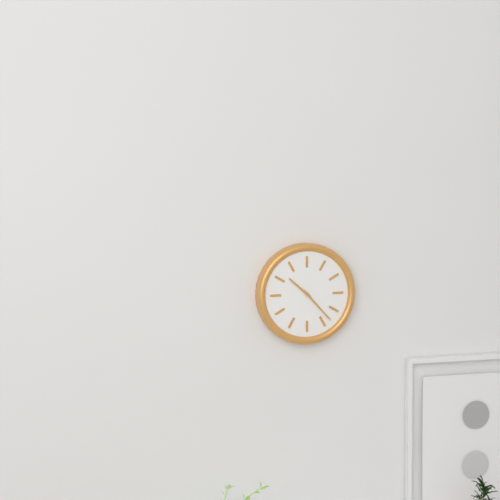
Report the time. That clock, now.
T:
10:23
